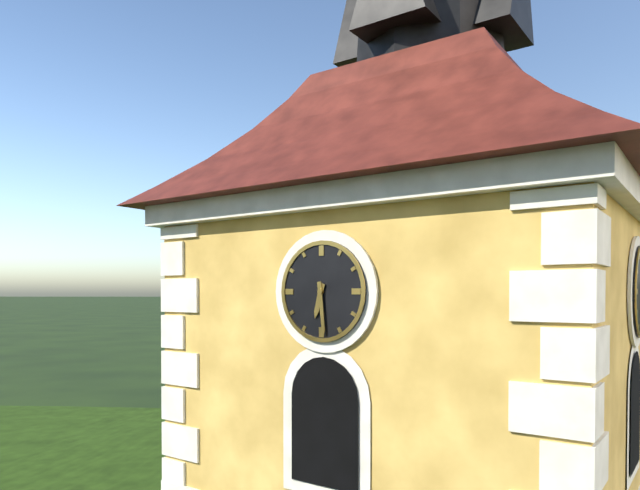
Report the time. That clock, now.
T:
6:29
